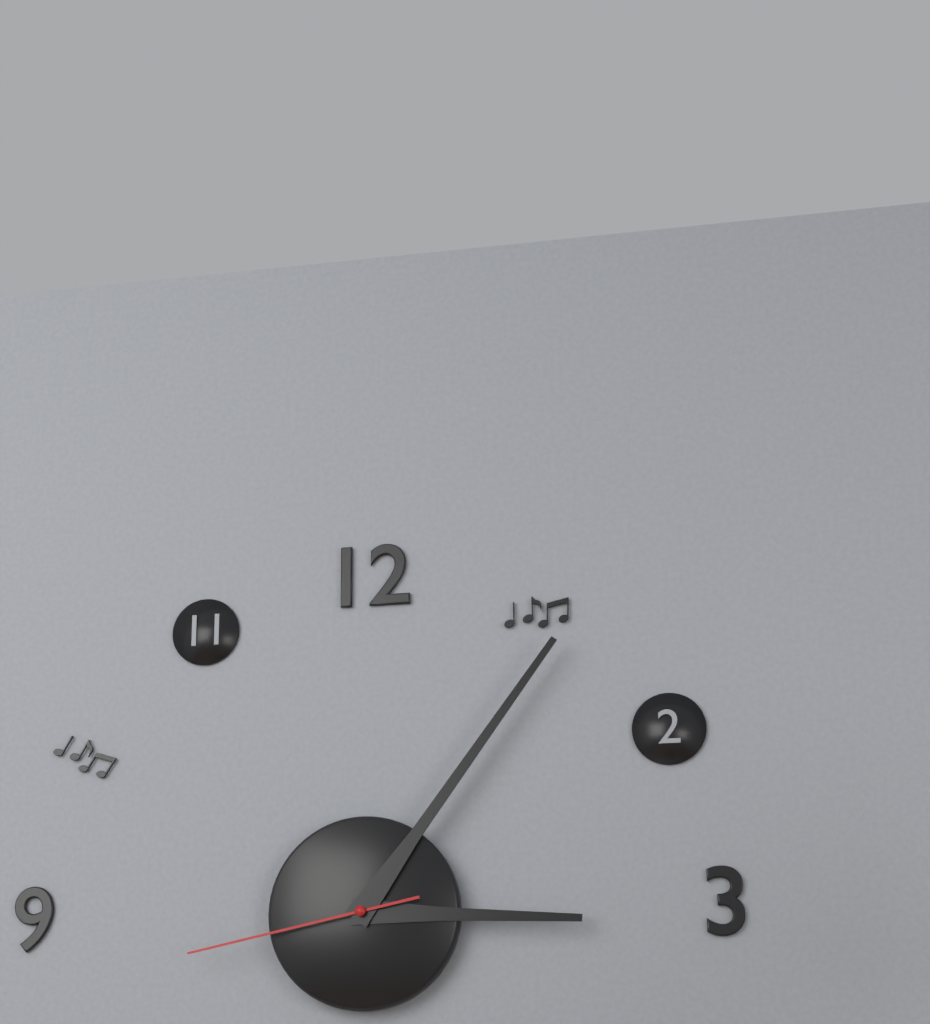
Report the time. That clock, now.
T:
3:06:43
